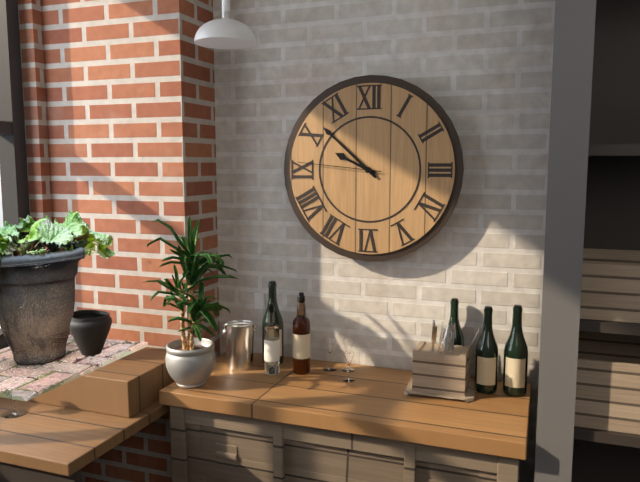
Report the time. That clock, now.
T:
9:52:46
